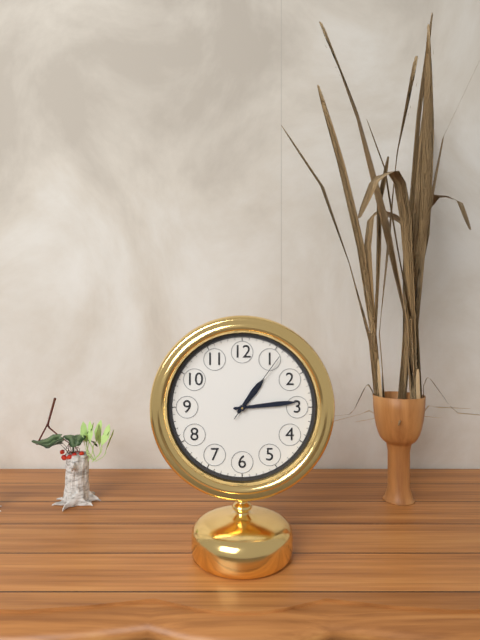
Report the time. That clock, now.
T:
1:14:06
